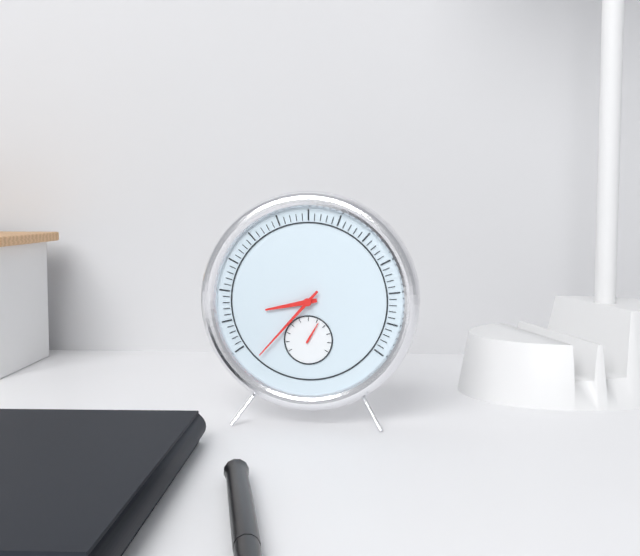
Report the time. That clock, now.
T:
8:37
